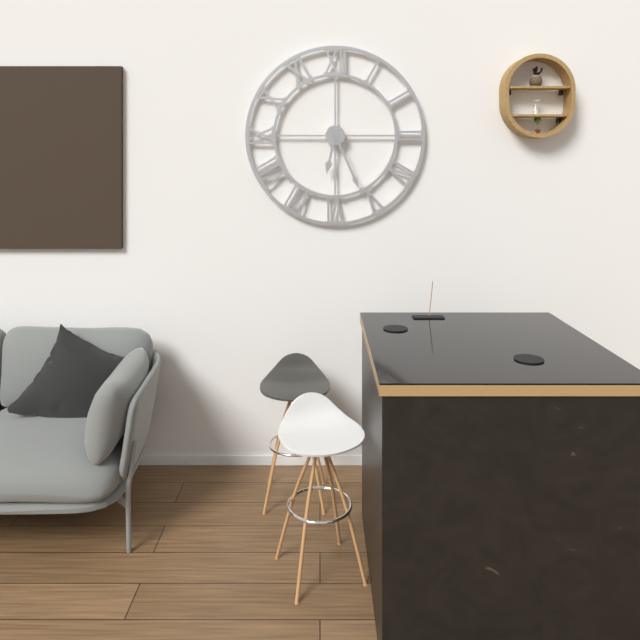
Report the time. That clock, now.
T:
6:26
